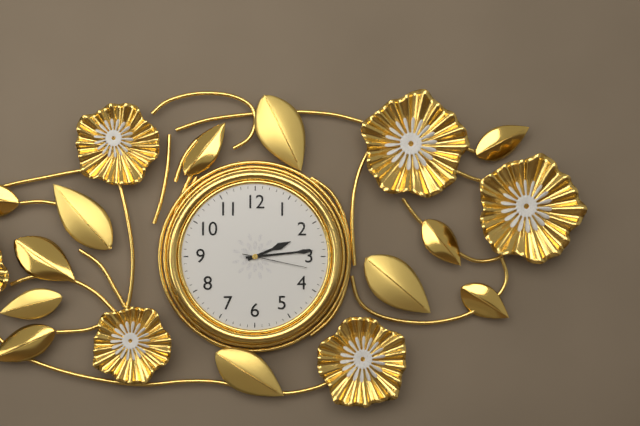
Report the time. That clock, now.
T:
2:14:17
